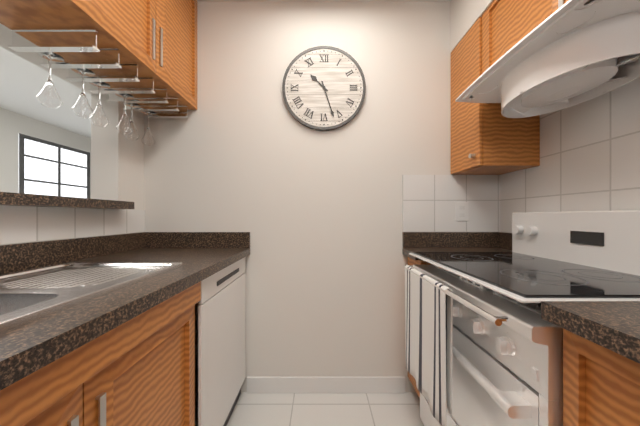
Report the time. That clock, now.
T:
10:27
